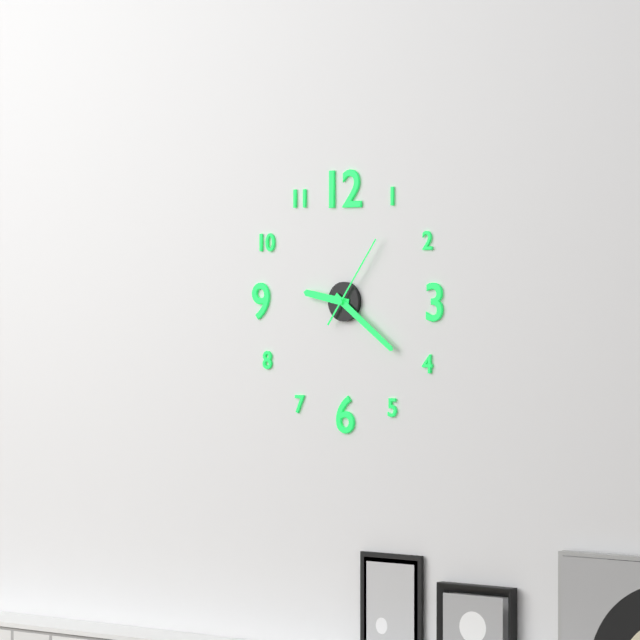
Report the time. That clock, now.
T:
9:21:06
